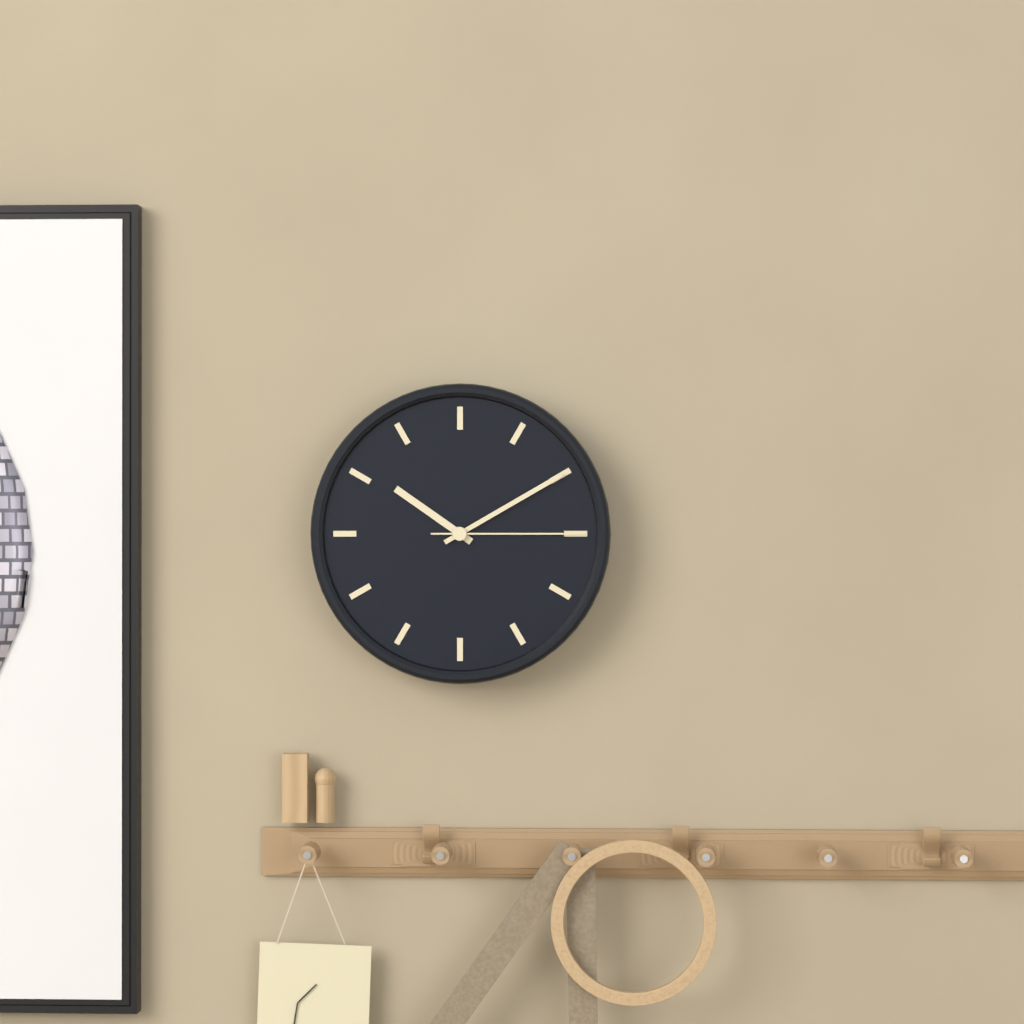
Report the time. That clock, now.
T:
10:10:15
